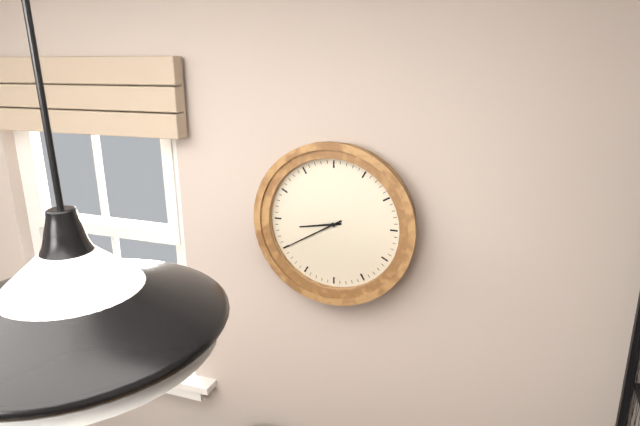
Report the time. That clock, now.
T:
8:40
